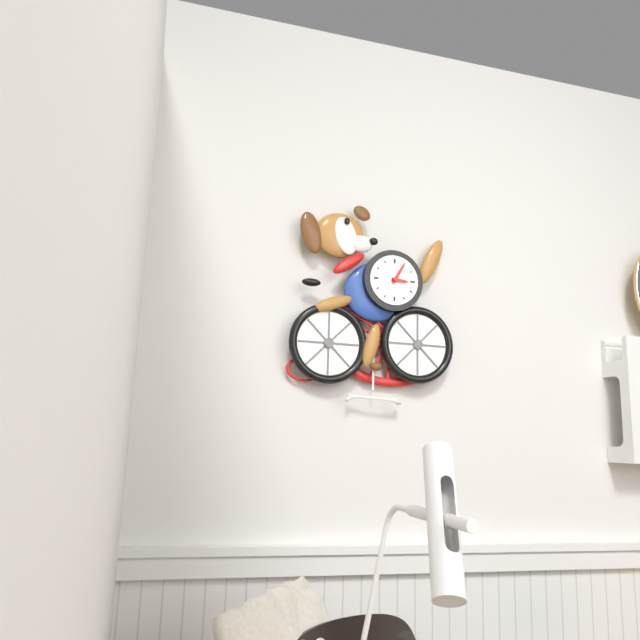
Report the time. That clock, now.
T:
3:05
